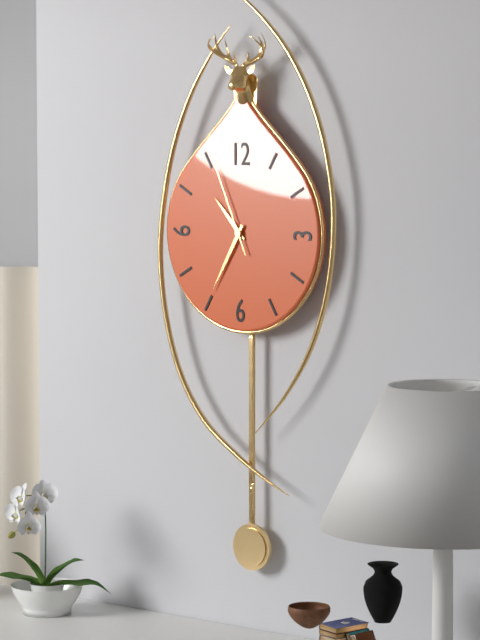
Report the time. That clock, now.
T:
10:35:56
